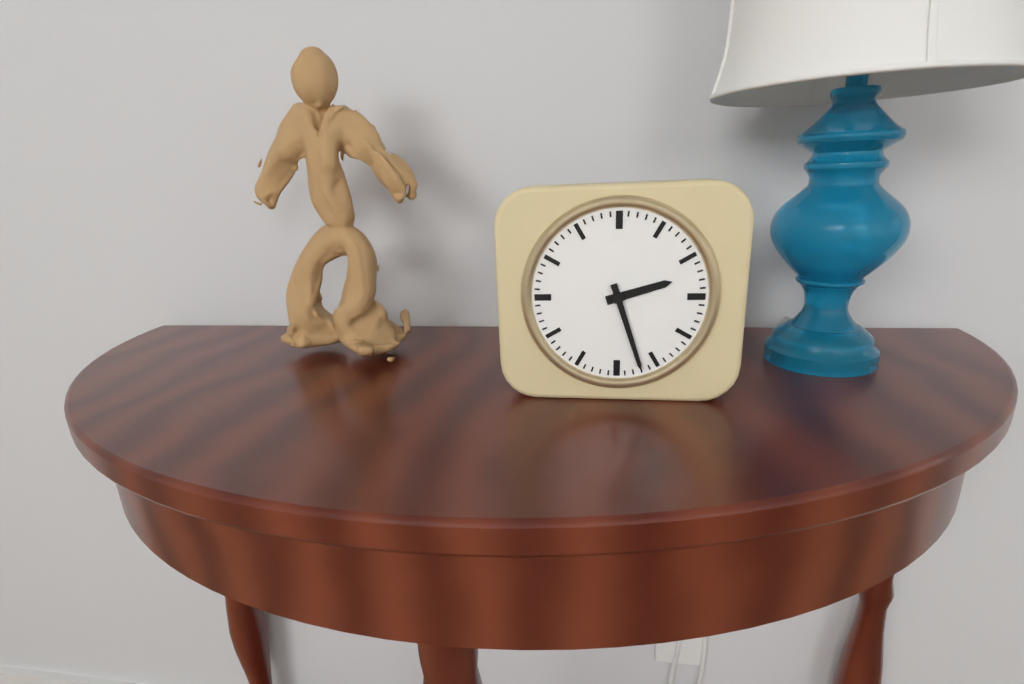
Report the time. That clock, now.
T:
2:27
